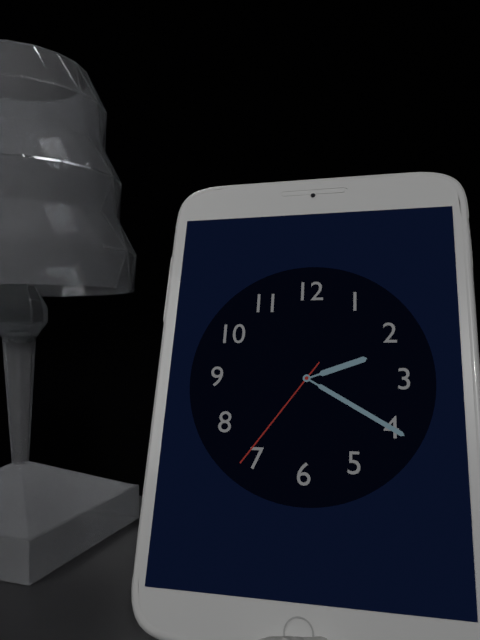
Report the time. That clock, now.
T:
2:20:36
